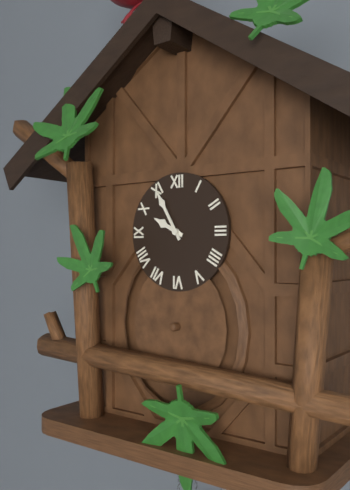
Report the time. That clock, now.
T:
9:55
